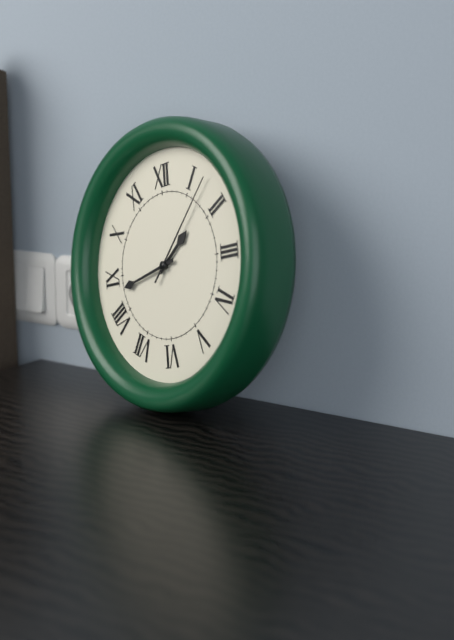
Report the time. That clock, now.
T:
1:43:07
